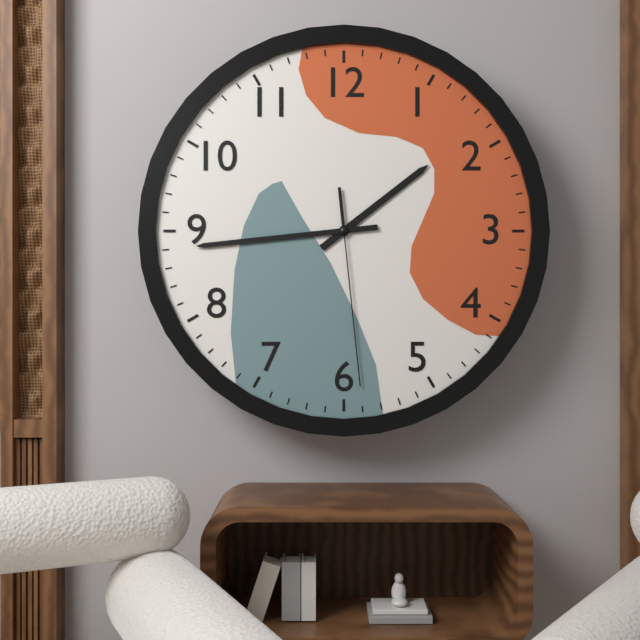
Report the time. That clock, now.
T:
1:44:29
